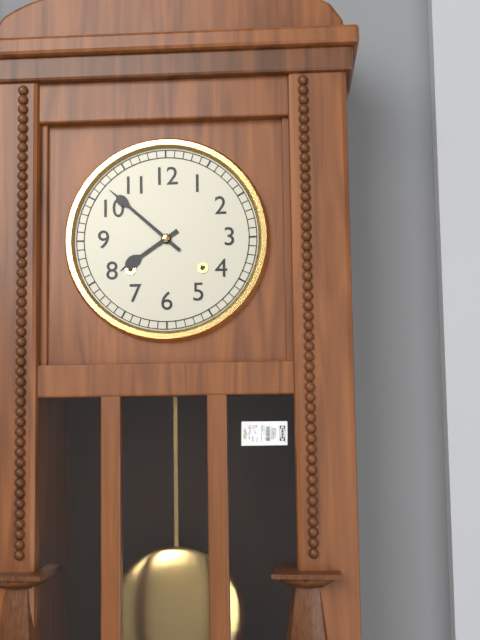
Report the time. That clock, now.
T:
7:52
